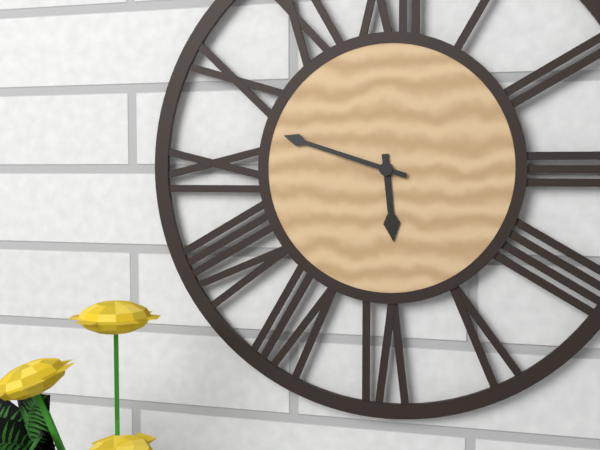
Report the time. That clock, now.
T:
5:48
